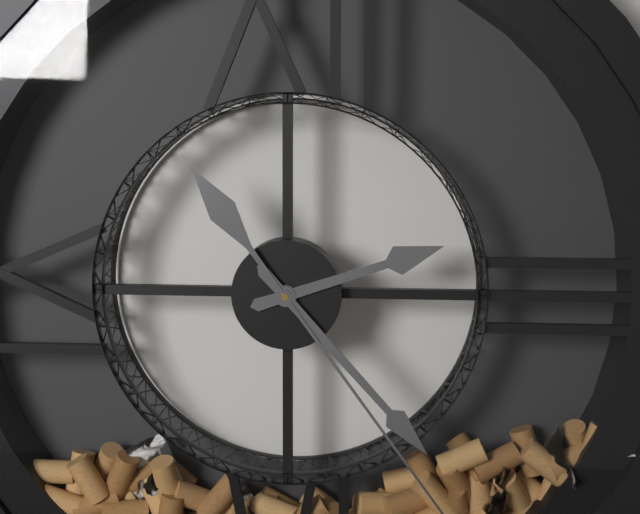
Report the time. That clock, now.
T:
2:23
